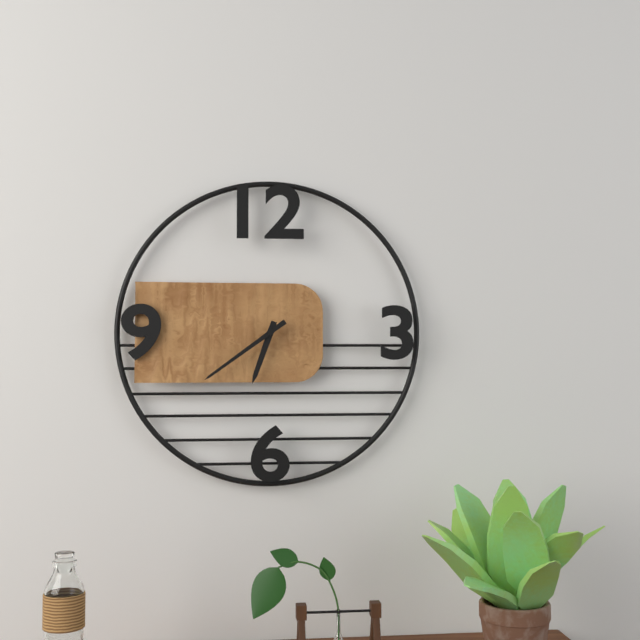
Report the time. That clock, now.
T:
6:39
